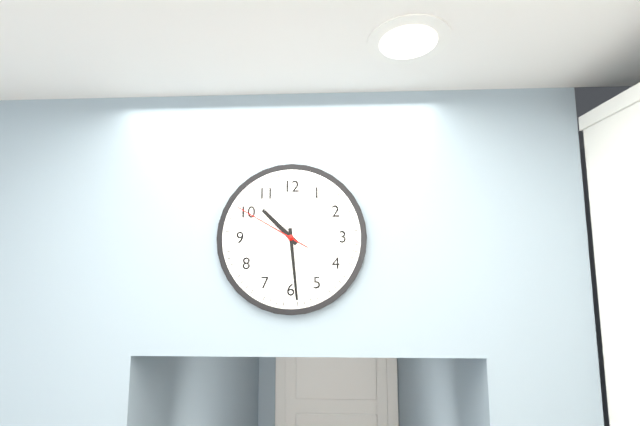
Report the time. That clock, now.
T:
10:29:50
